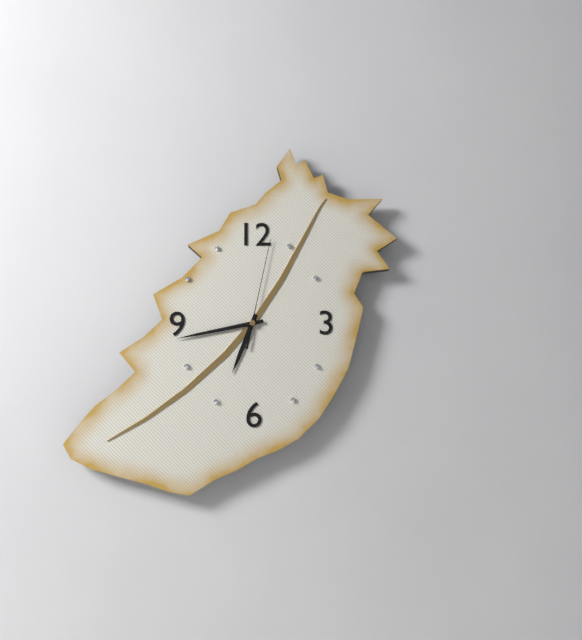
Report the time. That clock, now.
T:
6:43:02
